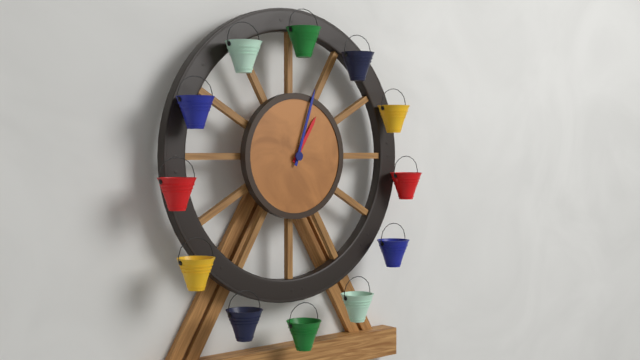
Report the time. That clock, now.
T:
1:03
